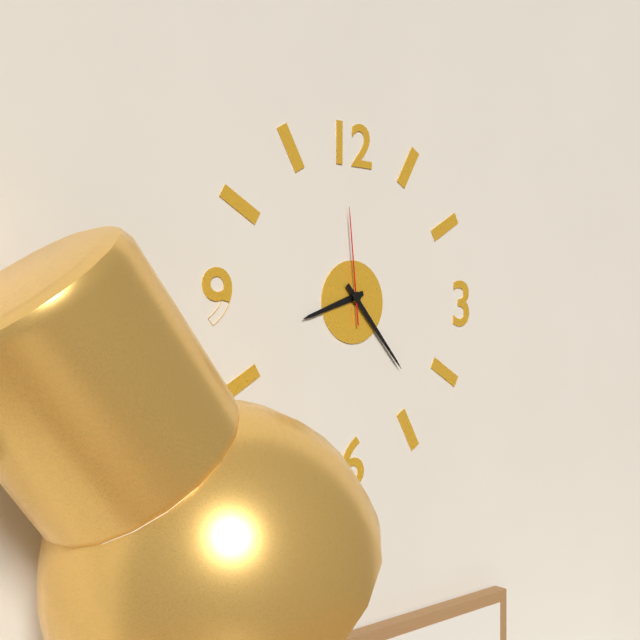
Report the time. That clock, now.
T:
8:23:59
